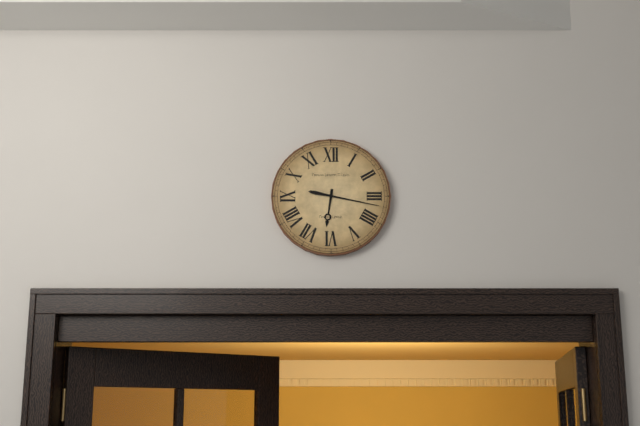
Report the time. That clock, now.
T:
6:17
